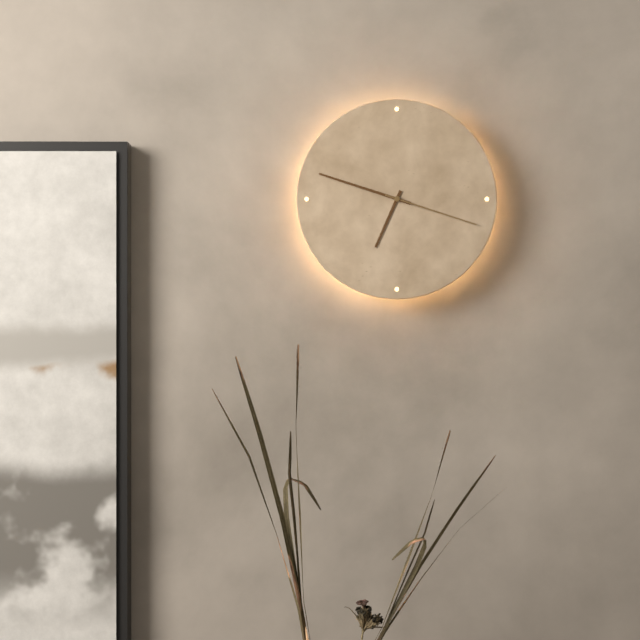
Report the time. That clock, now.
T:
6:48:18
